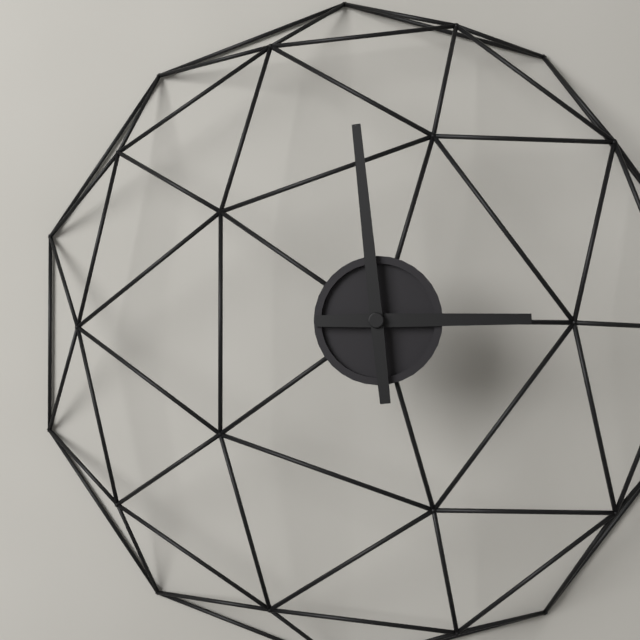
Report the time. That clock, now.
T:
2:59
